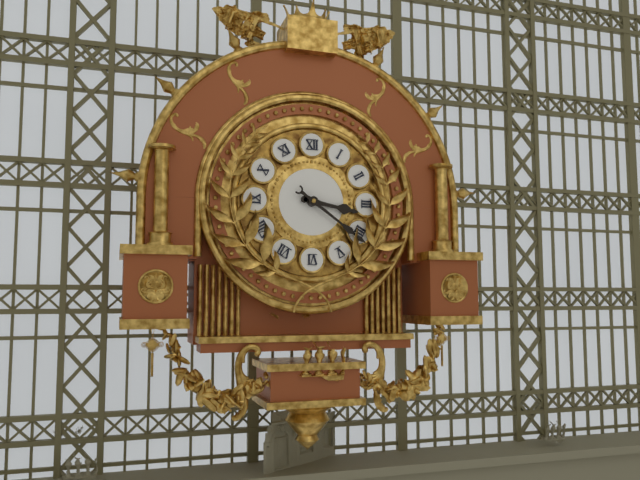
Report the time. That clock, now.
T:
3:21
